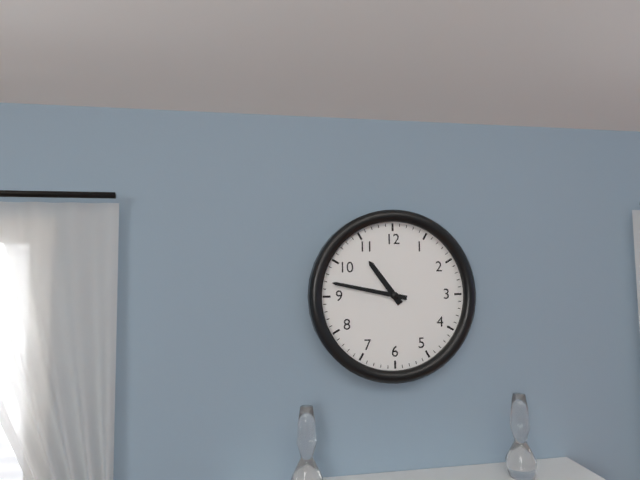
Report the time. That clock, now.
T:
10:47
